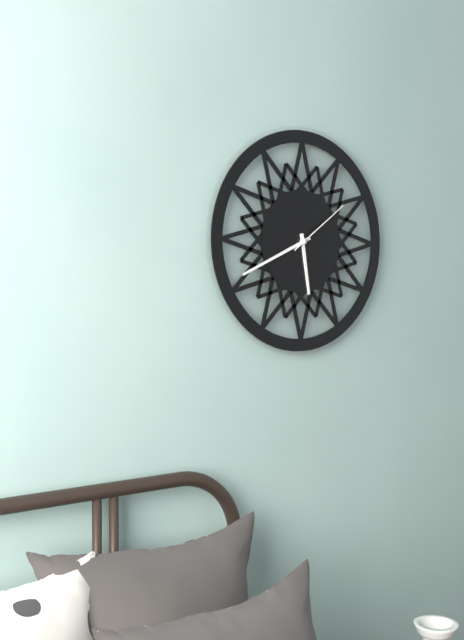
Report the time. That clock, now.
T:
5:41:09
